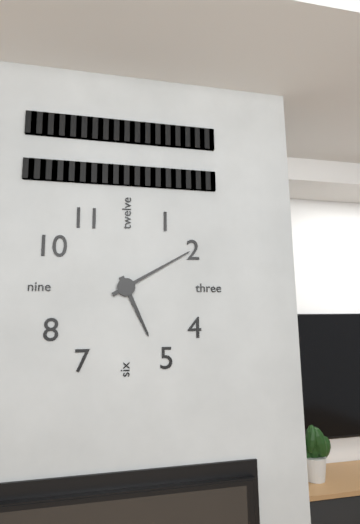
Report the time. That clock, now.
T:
5:10
